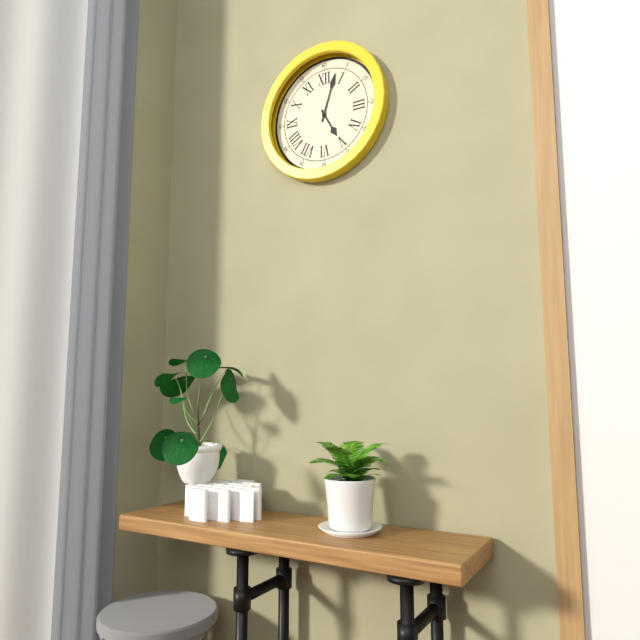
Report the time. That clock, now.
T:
5:03
